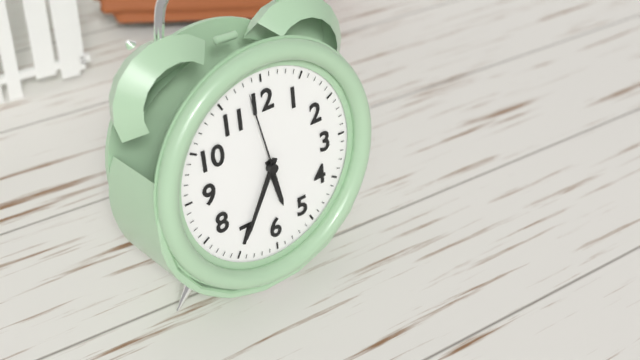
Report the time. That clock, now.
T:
5:35:58
